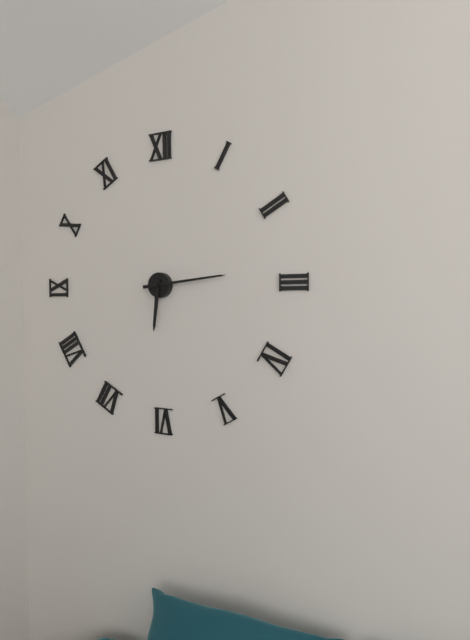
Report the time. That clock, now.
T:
6:14
